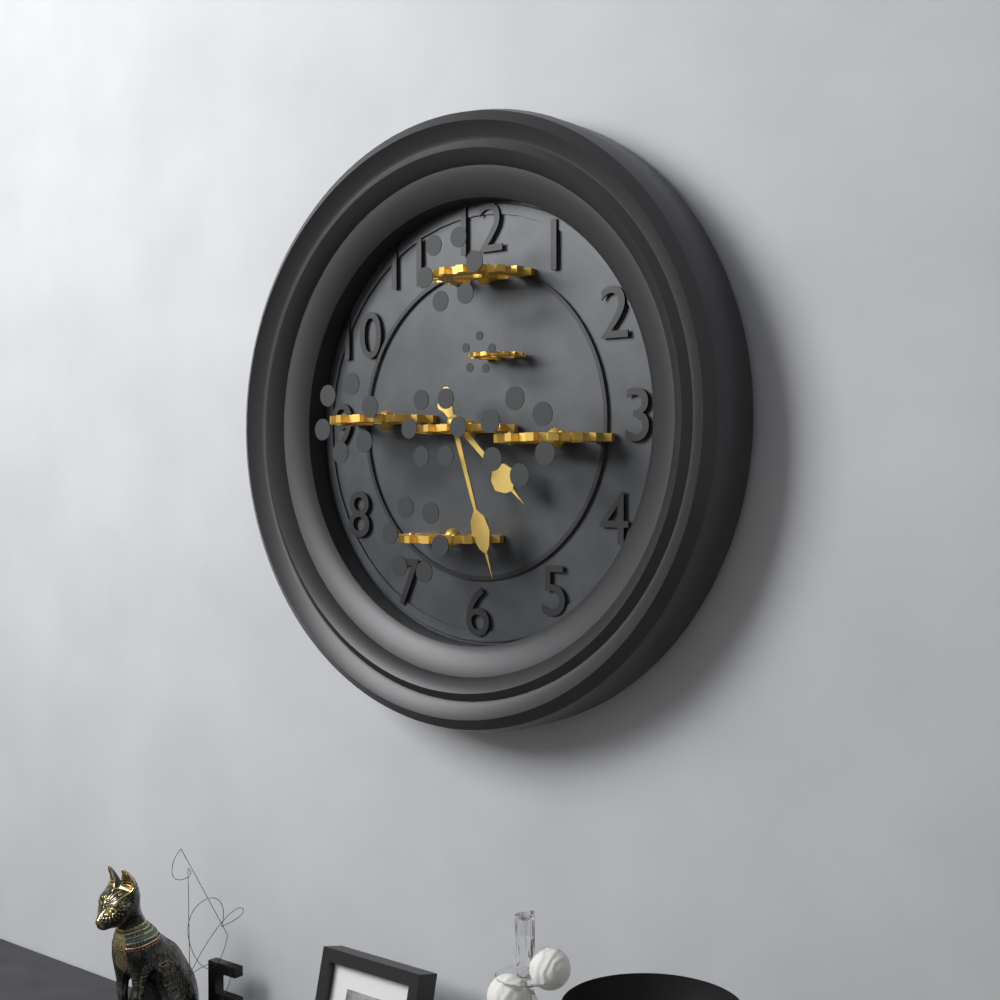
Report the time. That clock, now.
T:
4:27
